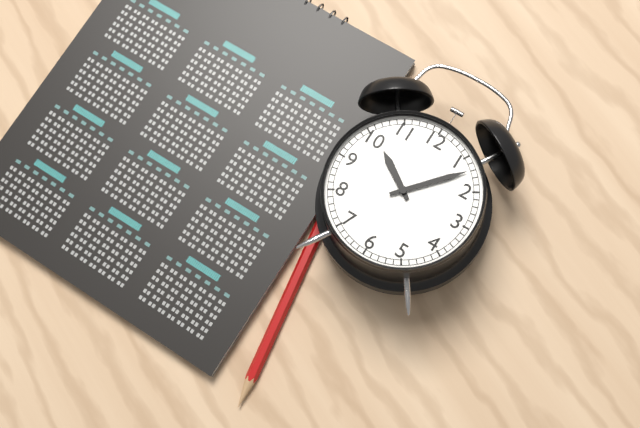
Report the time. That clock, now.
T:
10:07
